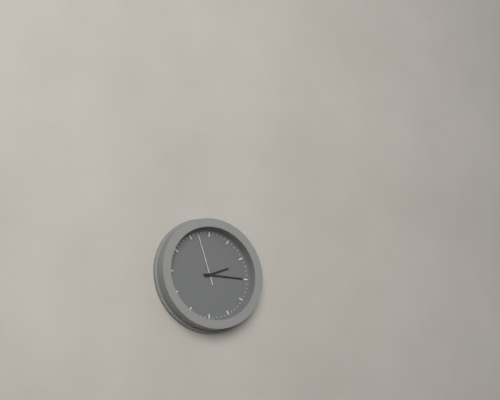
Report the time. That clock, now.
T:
2:15:57
